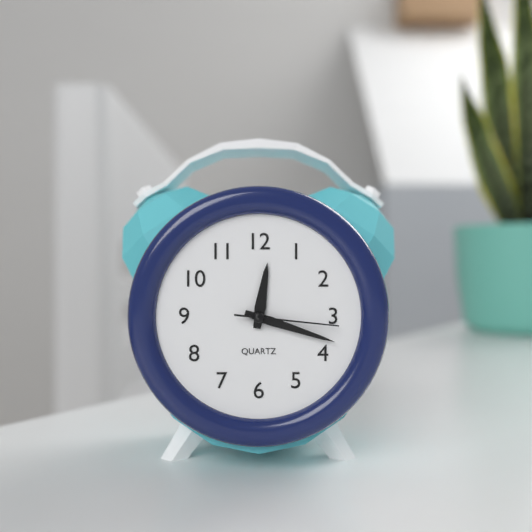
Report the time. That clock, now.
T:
12:18:16
